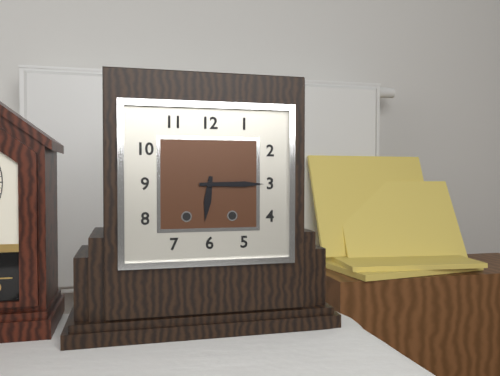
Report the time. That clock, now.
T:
6:15
